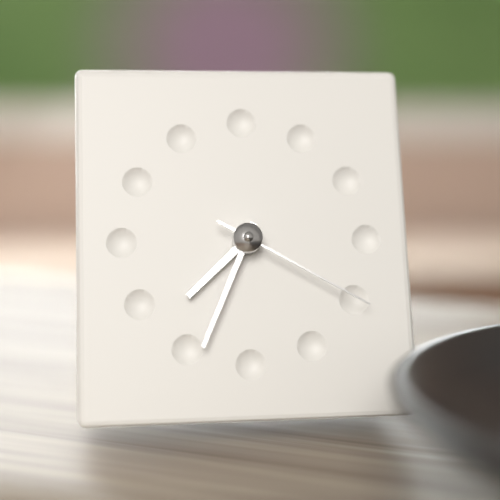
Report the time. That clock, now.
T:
7:34:20
